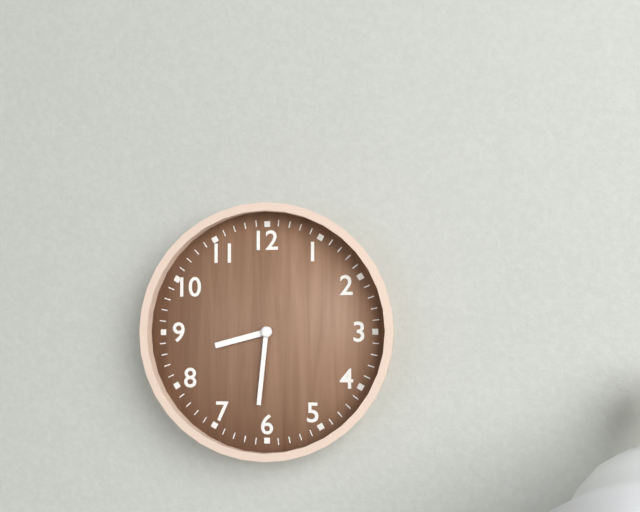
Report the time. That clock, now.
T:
8:31
